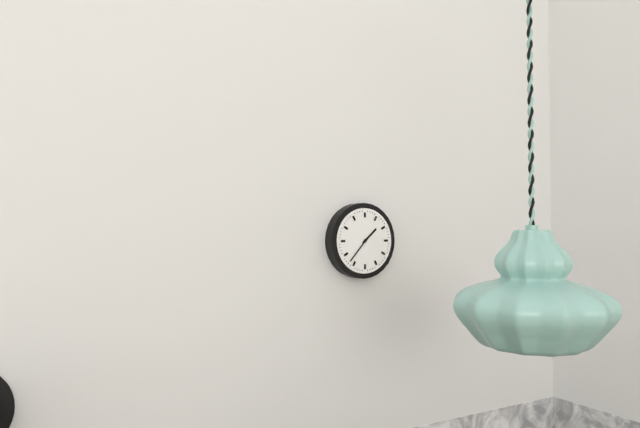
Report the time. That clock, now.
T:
1:37
